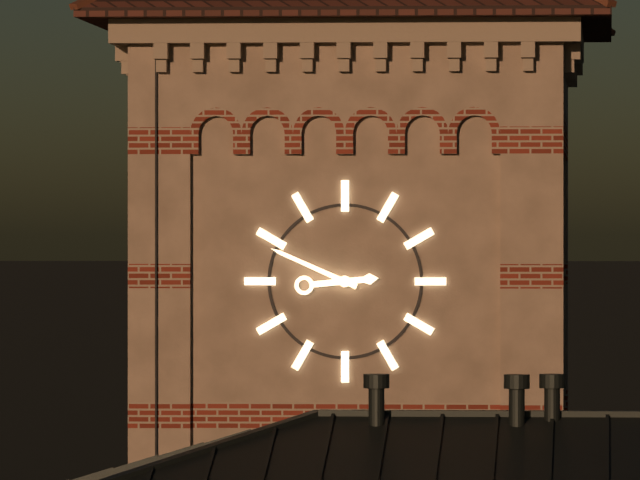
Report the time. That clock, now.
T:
2:49
